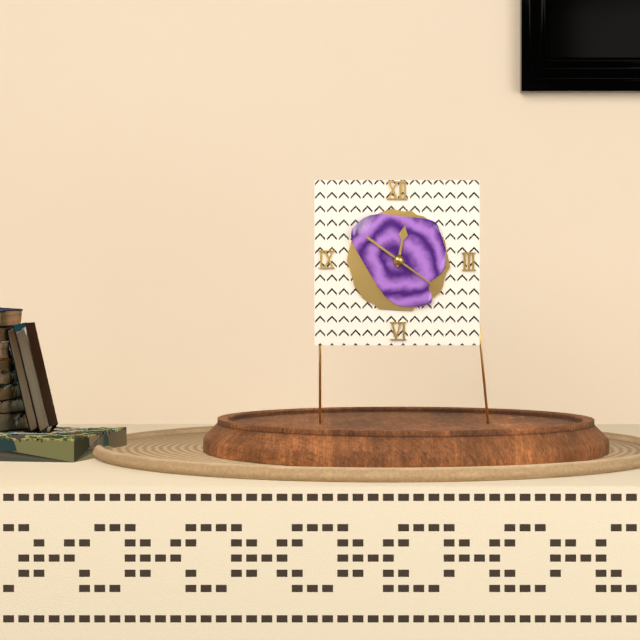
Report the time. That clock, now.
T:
12:21
